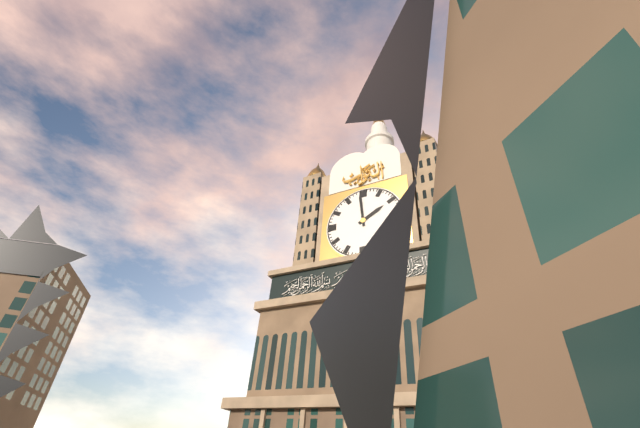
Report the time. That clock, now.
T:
1:59
